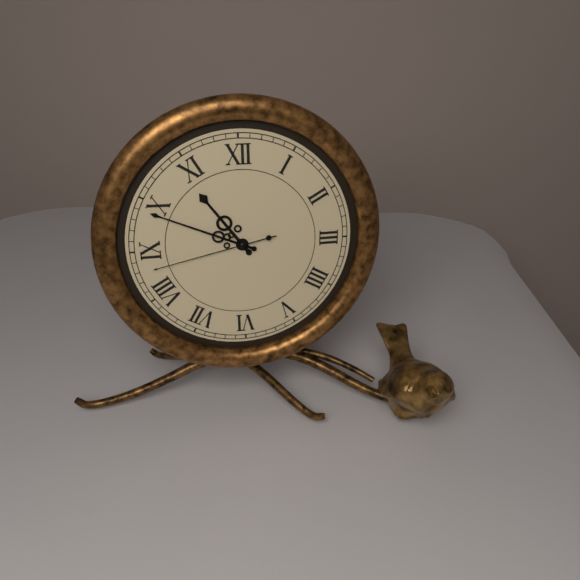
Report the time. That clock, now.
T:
10:49:43
